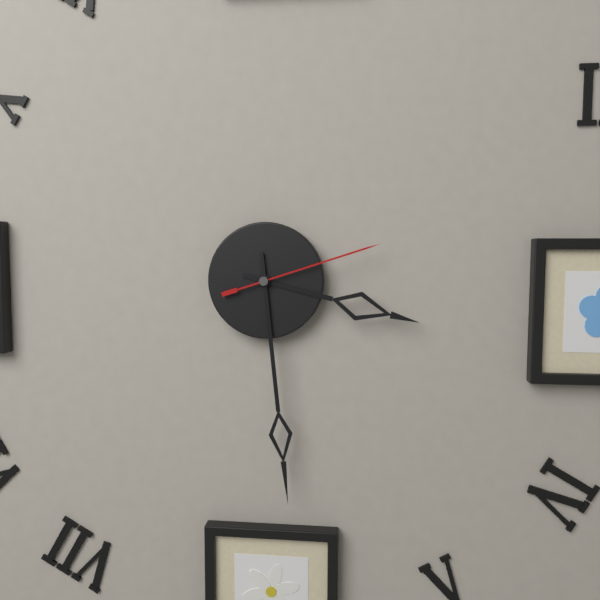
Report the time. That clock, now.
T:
3:29:12
